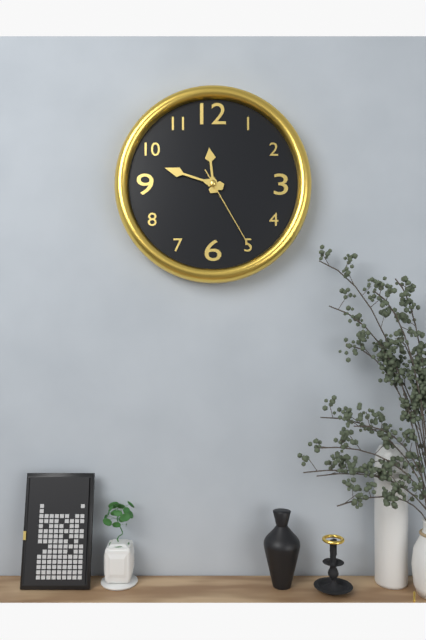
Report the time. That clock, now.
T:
11:48:25
